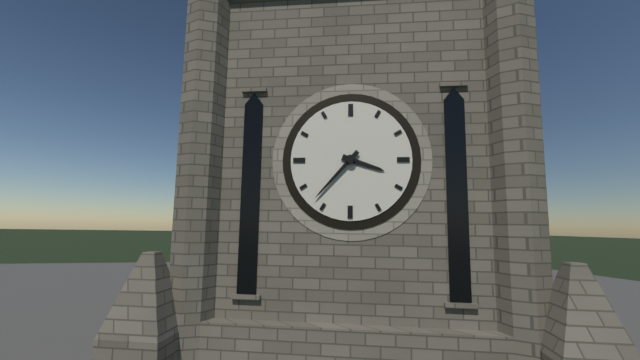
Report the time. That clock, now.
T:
3:37
